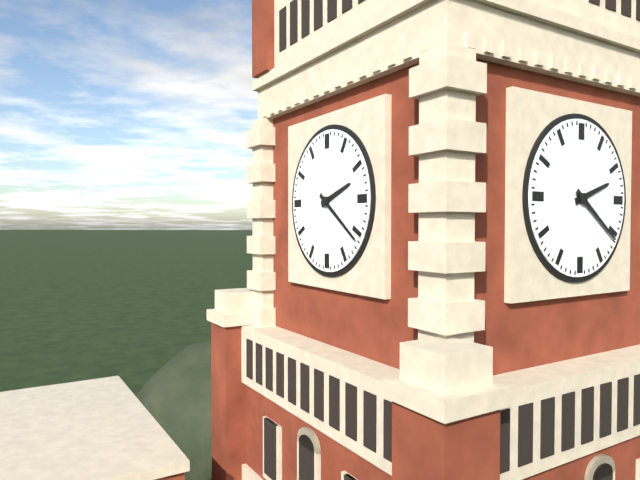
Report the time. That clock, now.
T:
2:21
